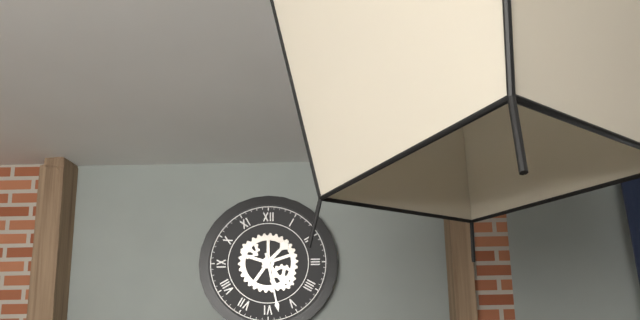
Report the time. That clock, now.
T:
1:28
